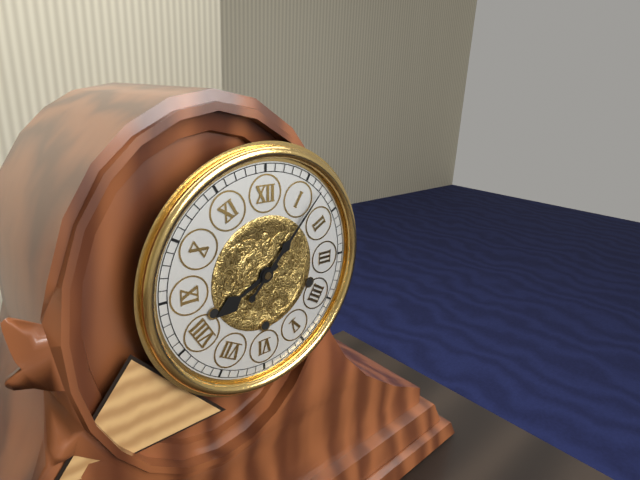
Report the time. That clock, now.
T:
8:07
